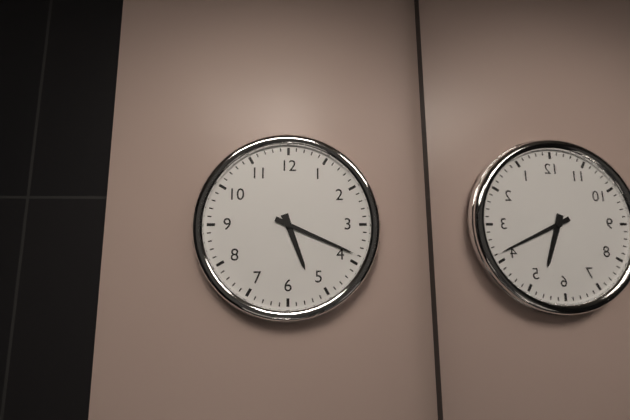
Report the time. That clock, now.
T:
5:19
